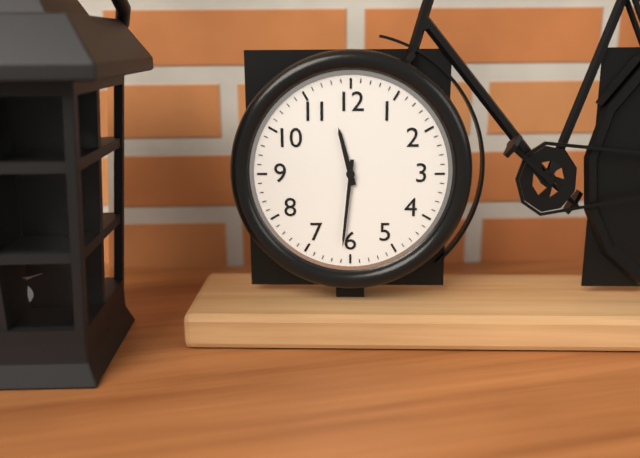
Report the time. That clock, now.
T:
11:31
